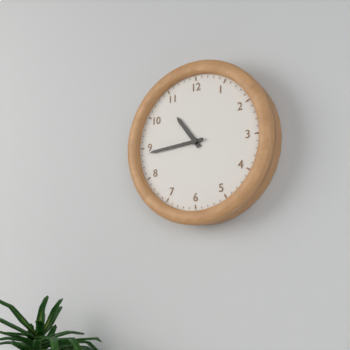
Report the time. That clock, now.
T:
10:44
